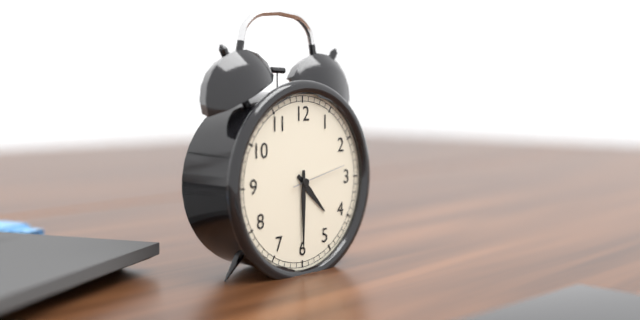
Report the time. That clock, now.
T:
4:30:13
